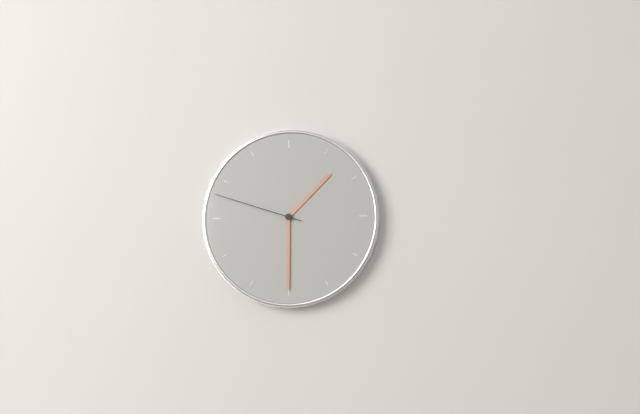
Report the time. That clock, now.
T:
1:30:48
